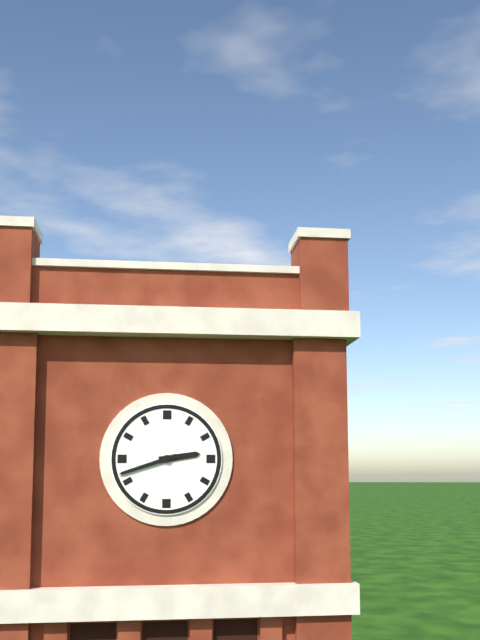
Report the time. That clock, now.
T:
2:42
